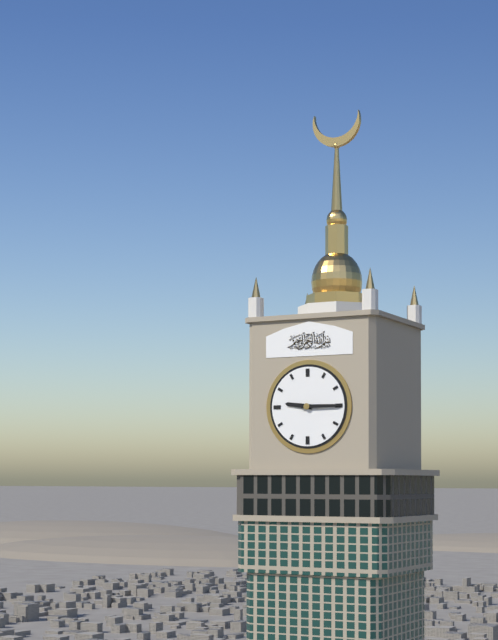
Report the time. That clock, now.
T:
9:15
